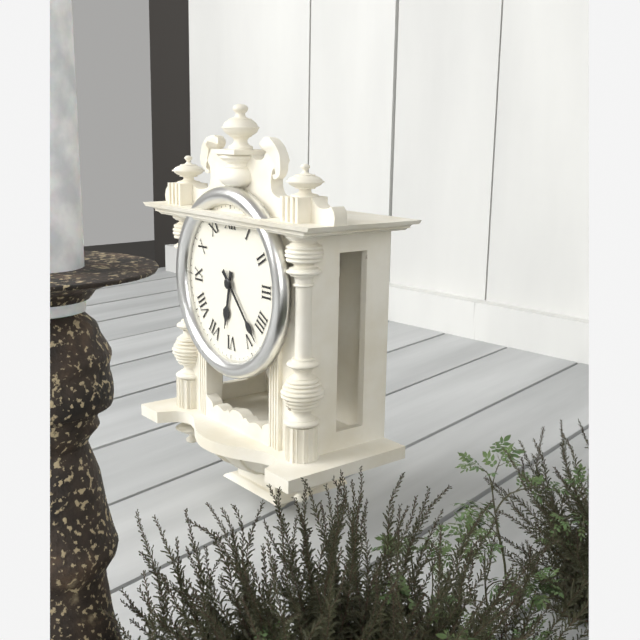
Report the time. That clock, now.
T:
6:23
